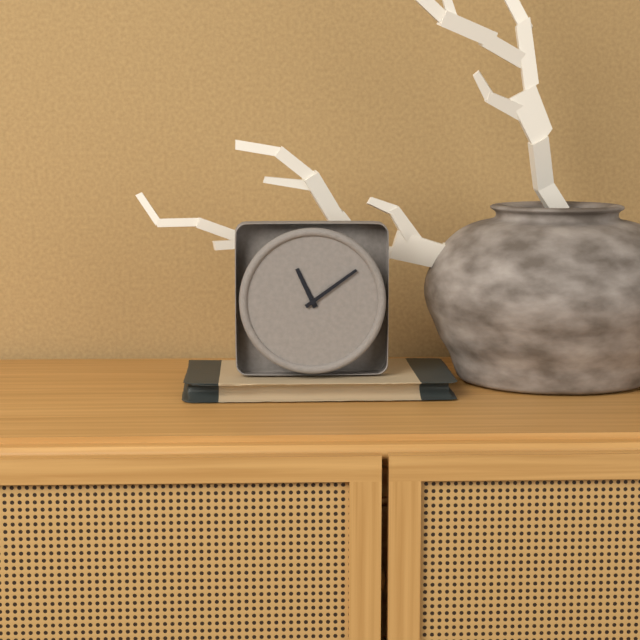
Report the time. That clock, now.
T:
11:09
